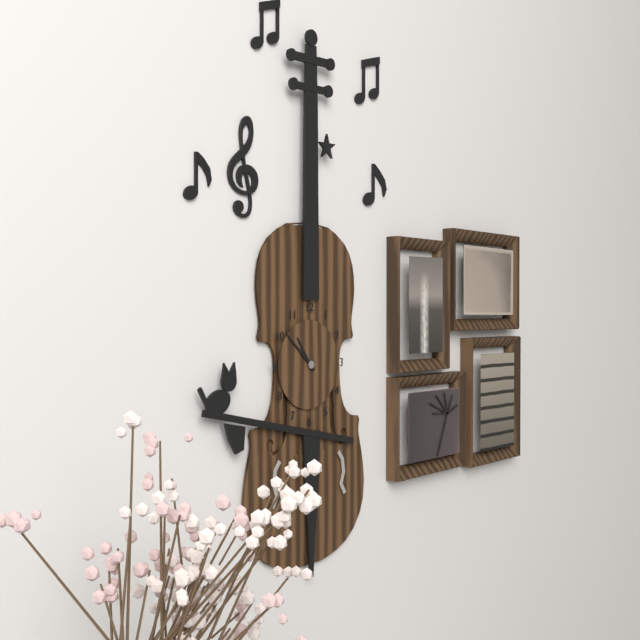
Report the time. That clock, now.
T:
10:52
